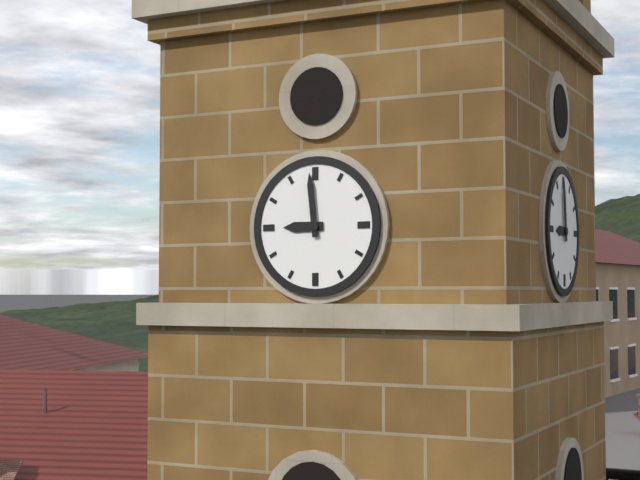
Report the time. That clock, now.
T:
8:59
